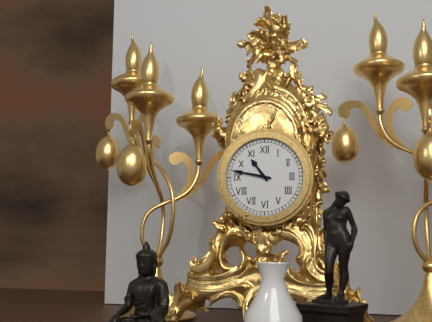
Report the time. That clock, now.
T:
10:47
